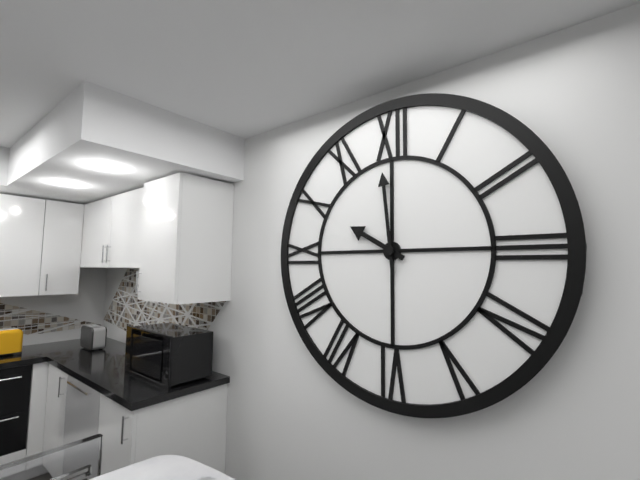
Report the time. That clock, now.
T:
9:59
